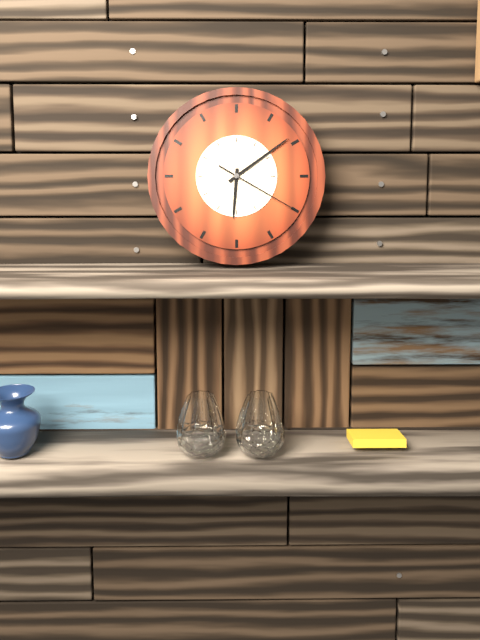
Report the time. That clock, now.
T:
6:09:20
